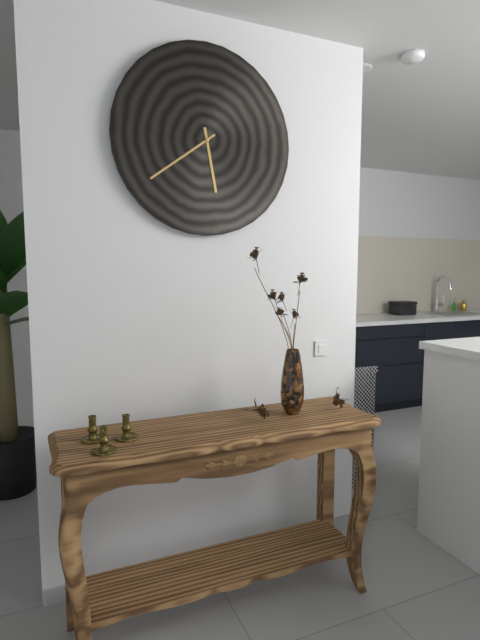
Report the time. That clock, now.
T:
5:39
